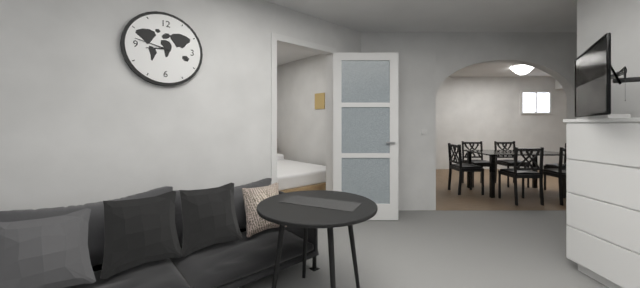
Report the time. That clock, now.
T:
8:47
